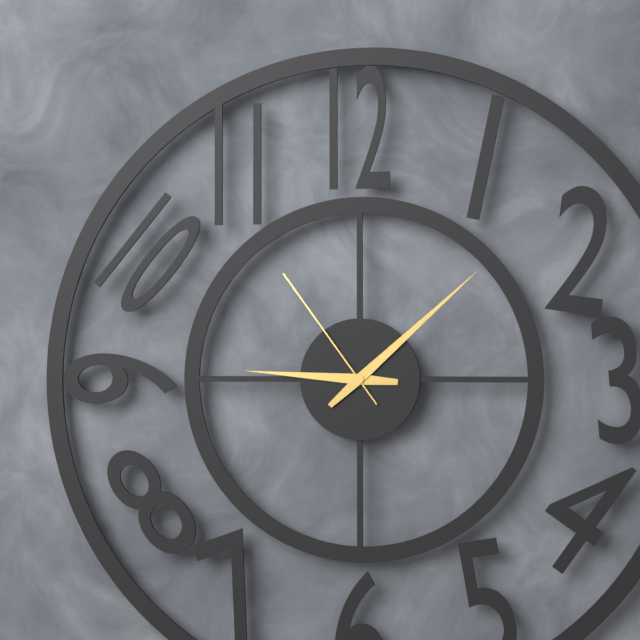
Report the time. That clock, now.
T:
9:08:54
